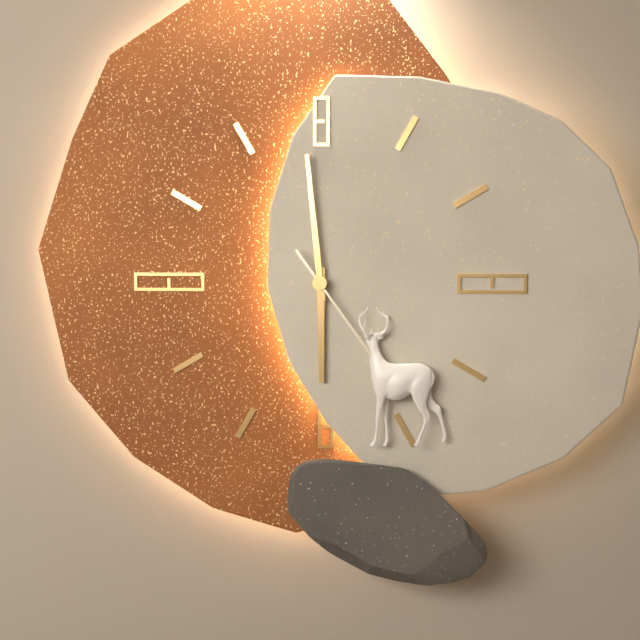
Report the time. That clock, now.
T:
5:59
